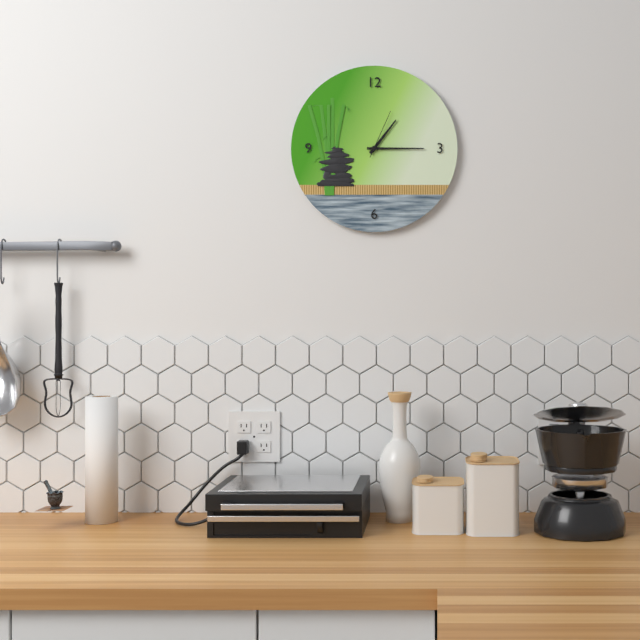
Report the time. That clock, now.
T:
1:15:04
